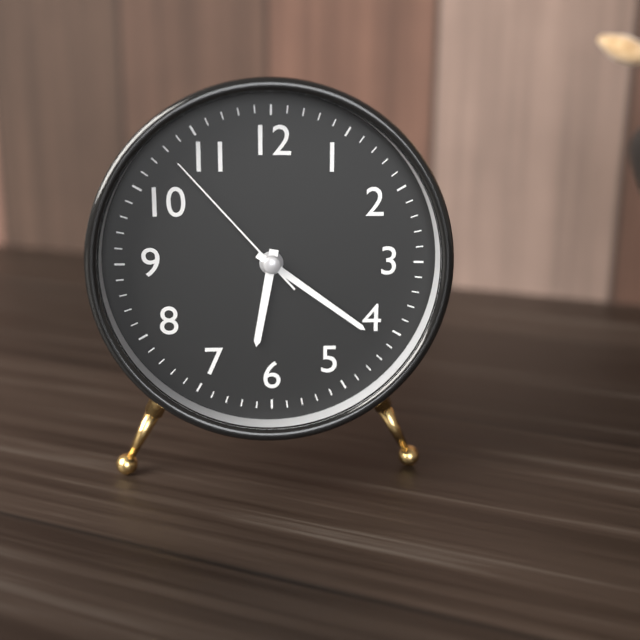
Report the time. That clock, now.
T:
6:21:53
